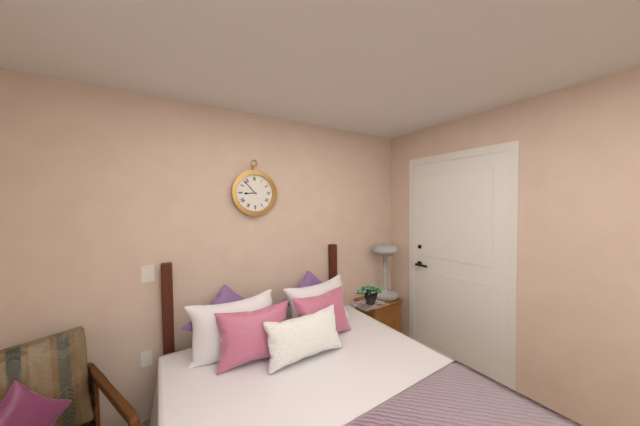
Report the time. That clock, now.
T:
8:53
